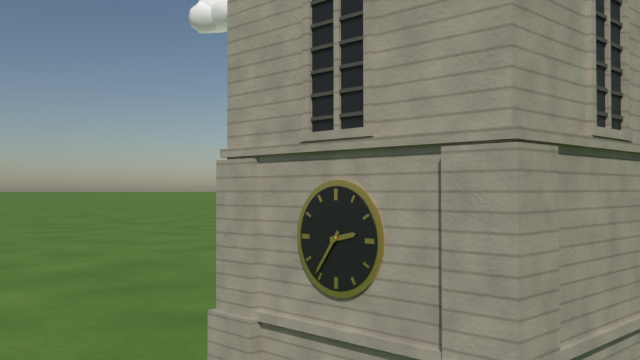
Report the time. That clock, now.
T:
2:36
